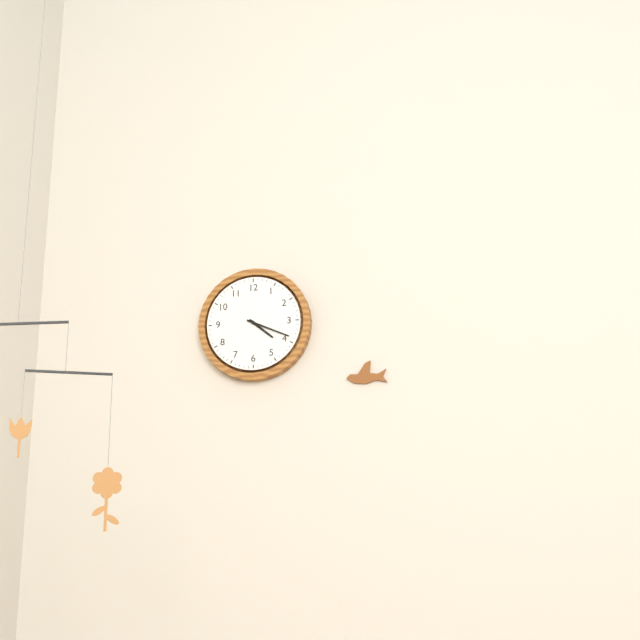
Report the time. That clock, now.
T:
4:19
